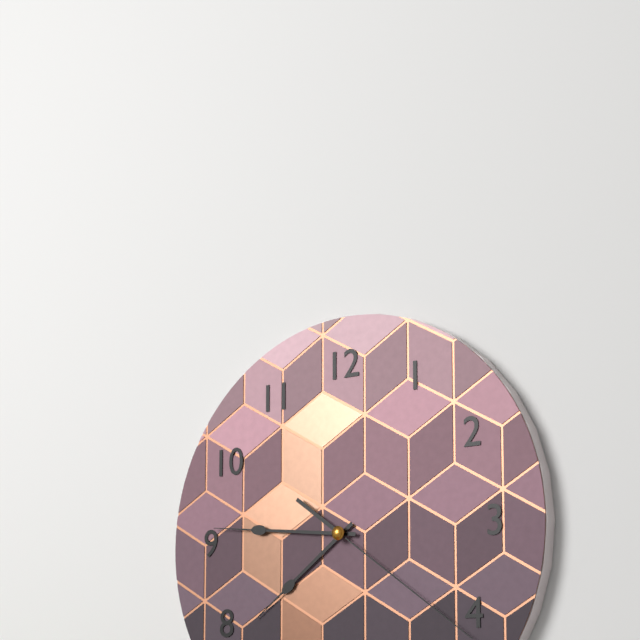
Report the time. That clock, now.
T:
7:46:21
